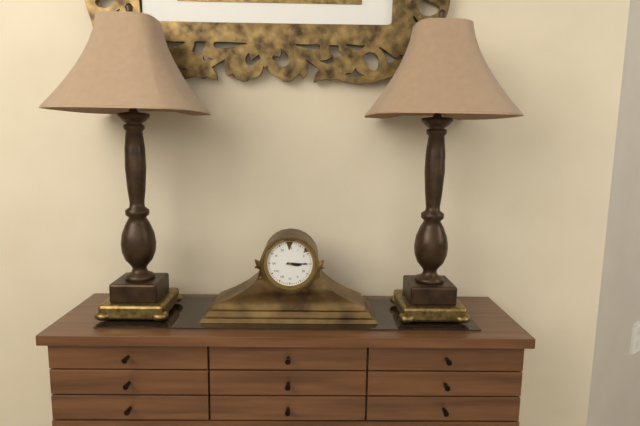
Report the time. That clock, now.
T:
3:15
